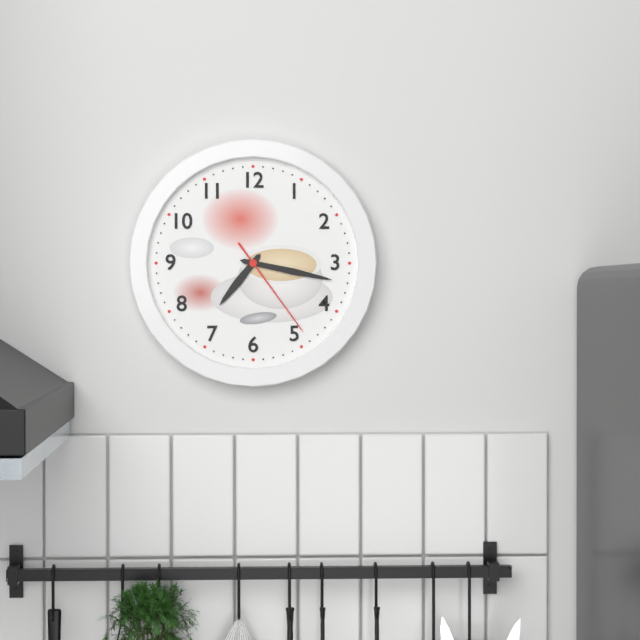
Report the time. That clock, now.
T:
7:17:24
